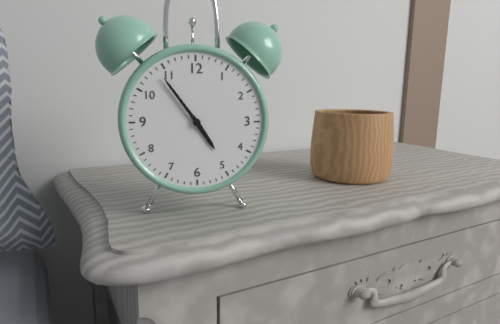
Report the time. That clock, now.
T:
4:54
